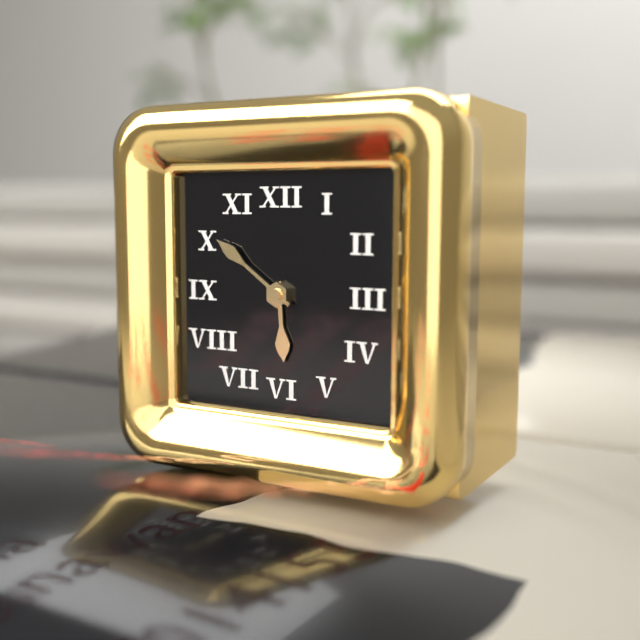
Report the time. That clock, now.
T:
5:51
